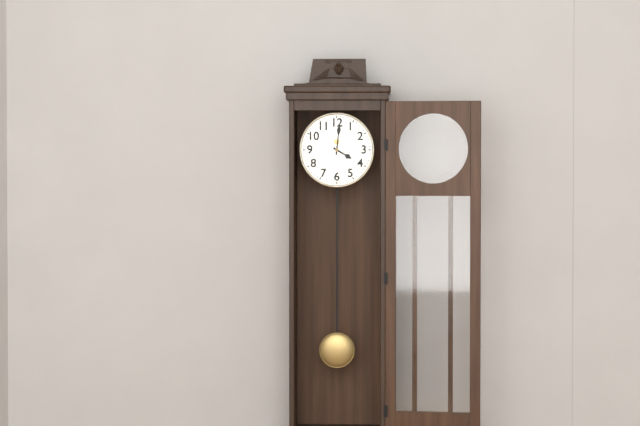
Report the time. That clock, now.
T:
4:01
